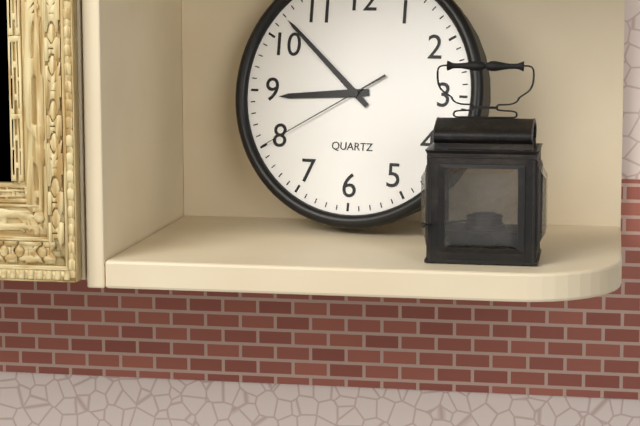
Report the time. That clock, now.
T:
8:52:40
